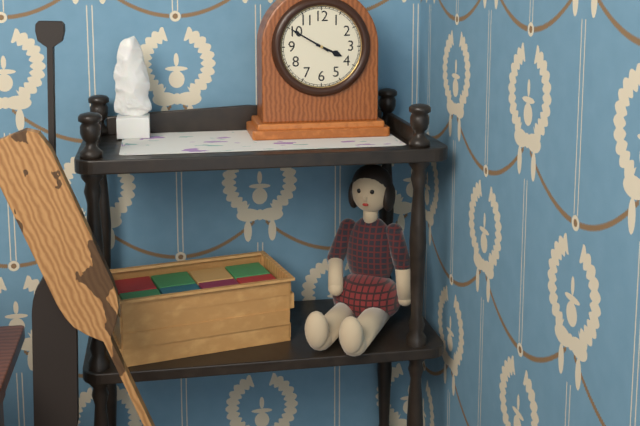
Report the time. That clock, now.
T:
3:50
